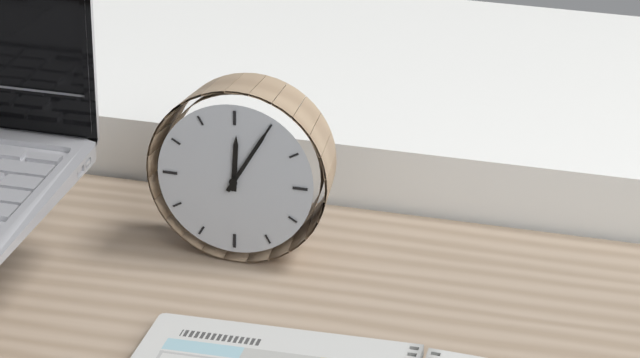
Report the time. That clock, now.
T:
12:05
